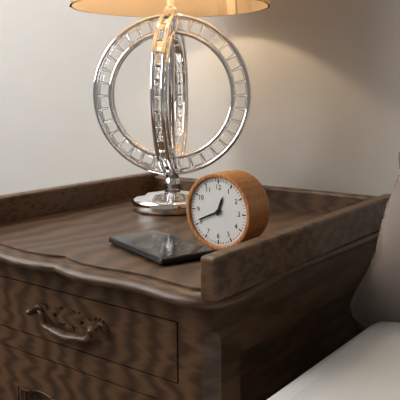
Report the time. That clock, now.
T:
12:41
